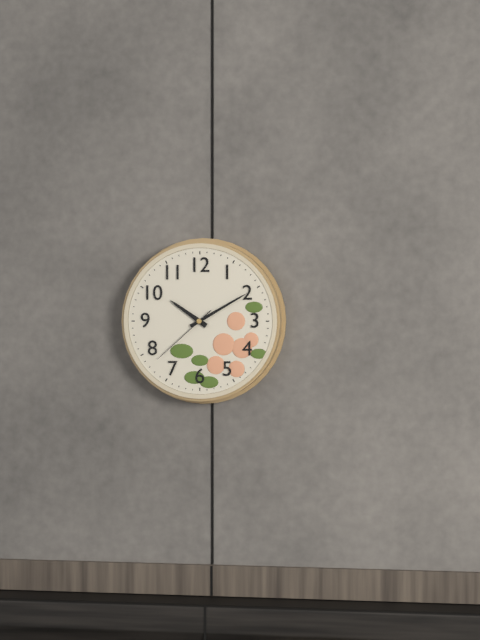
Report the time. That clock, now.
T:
10:10:38
